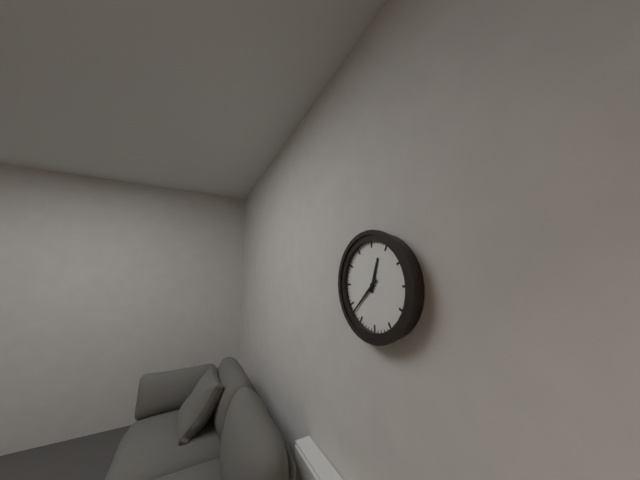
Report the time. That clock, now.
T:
12:38
